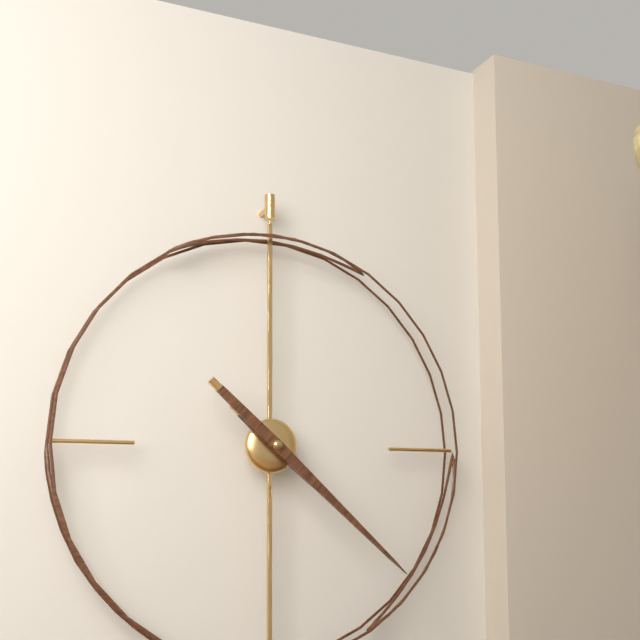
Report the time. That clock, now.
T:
4:22
